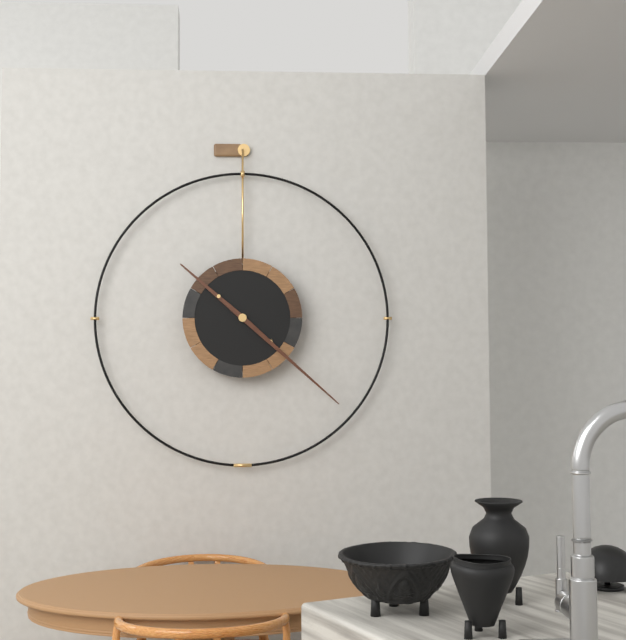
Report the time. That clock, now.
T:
10:22
